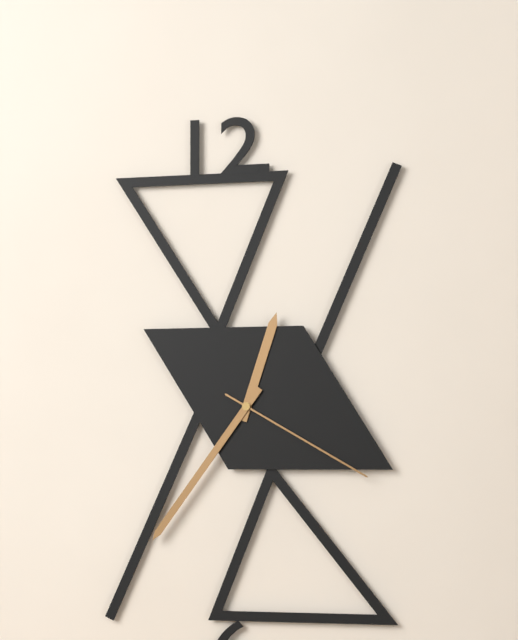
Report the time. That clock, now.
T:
12:36:20
